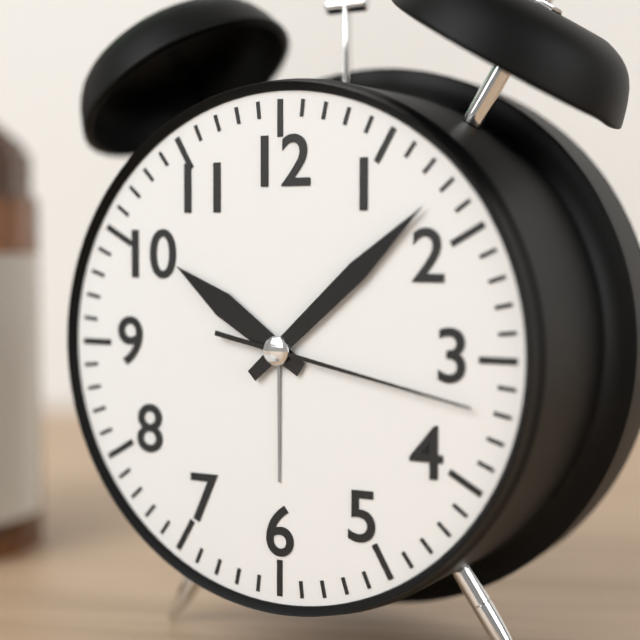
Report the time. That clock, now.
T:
10:08:17
